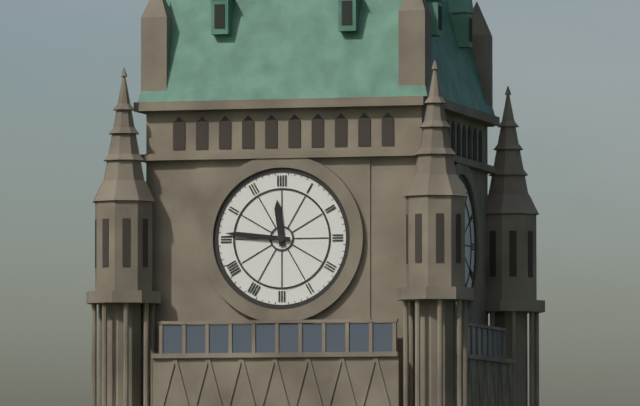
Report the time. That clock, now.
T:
11:46
